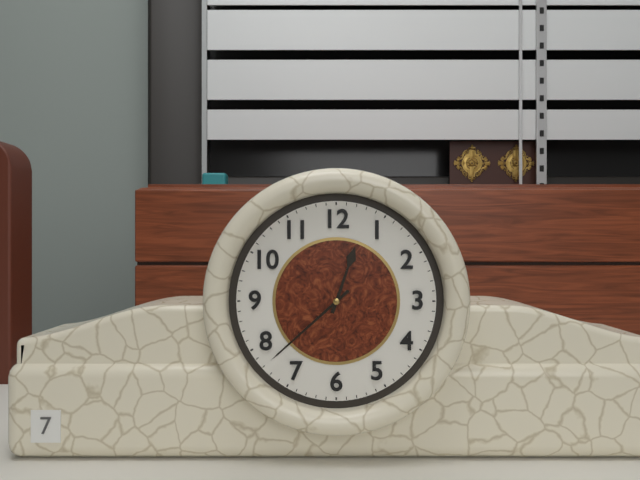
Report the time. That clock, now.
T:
12:38
